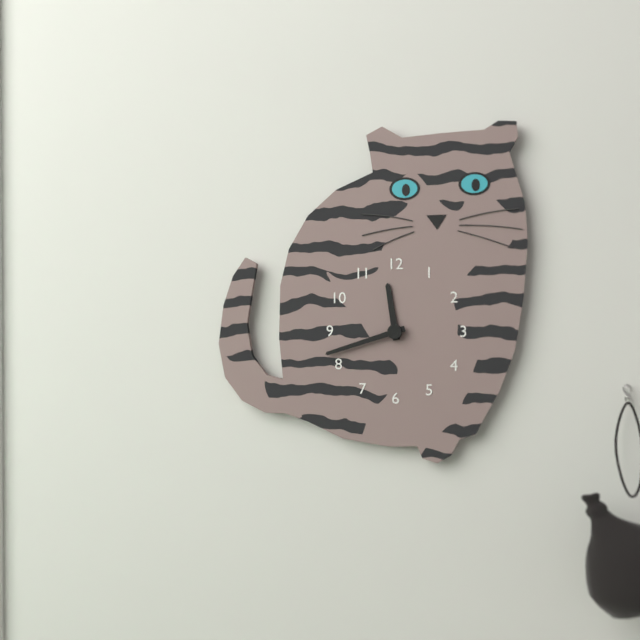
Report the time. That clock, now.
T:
11:42
